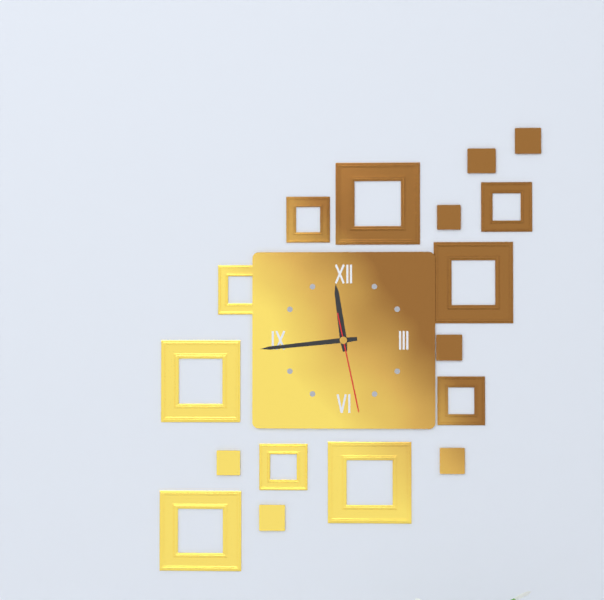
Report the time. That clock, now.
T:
11:44:28
